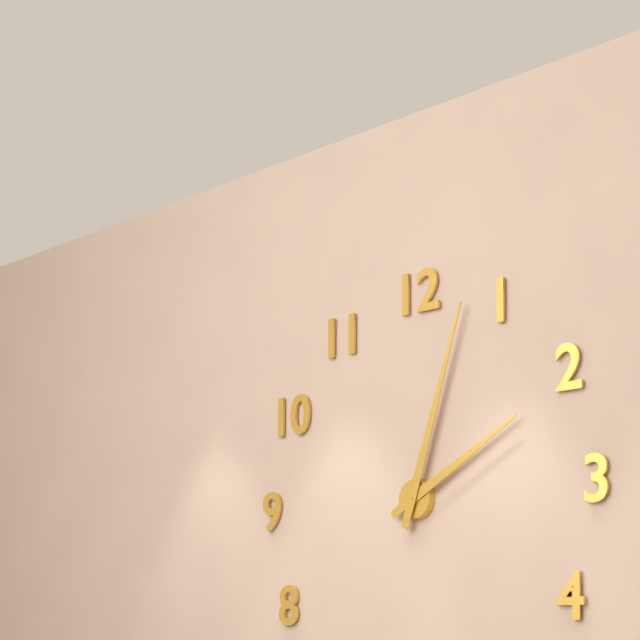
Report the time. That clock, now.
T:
2:03
